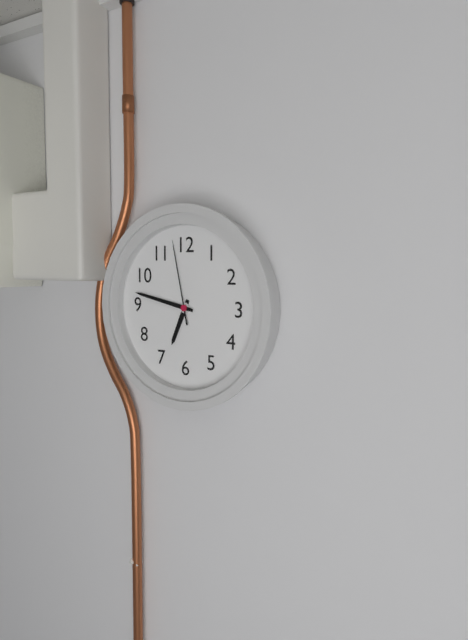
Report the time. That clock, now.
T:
6:47:58
